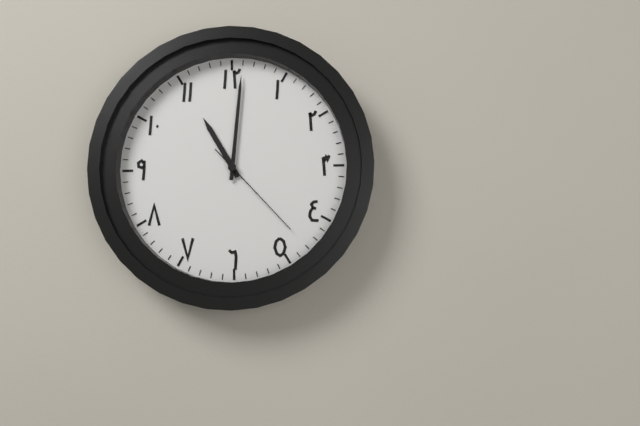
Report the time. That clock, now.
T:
11:01:23
